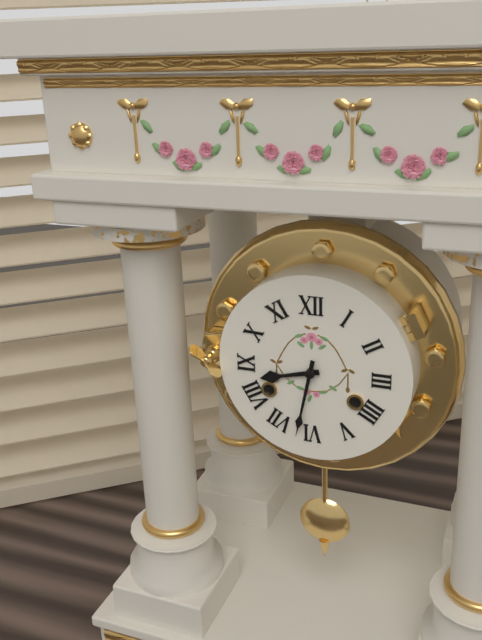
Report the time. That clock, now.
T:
8:32
